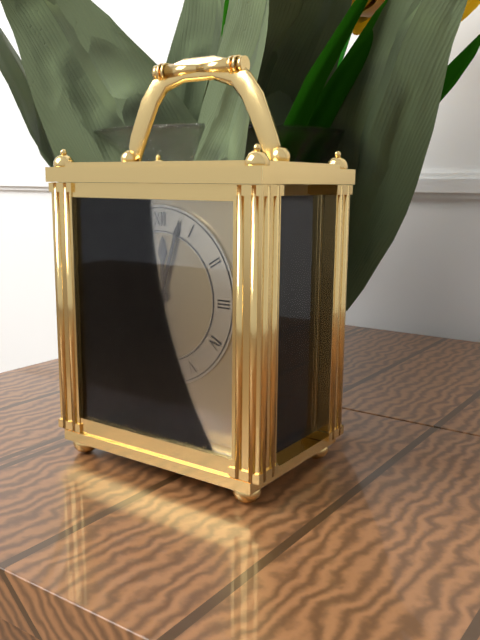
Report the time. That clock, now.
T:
12:03
